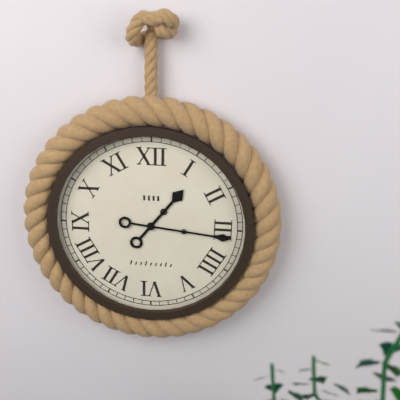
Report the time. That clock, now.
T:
1:16
